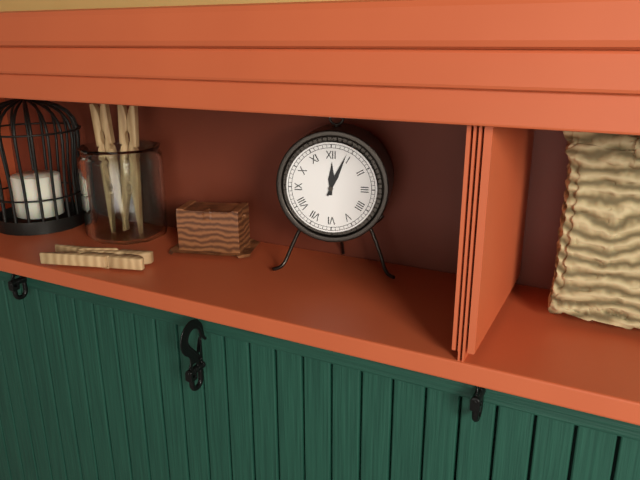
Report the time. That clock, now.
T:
12:04
